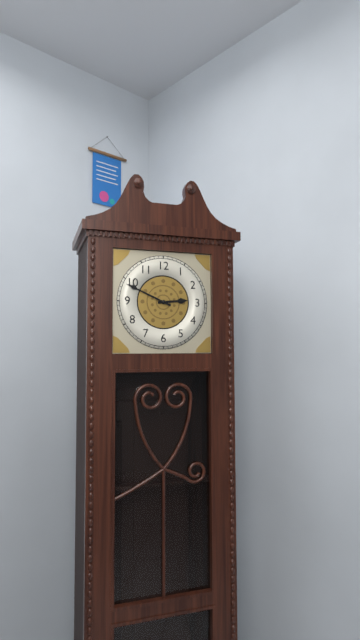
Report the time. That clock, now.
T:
2:49
